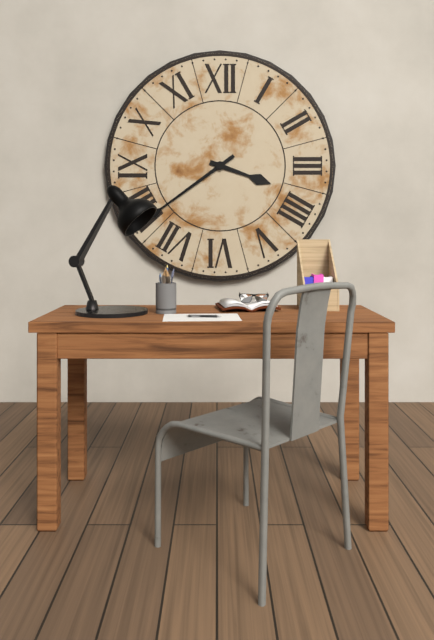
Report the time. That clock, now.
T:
3:39
